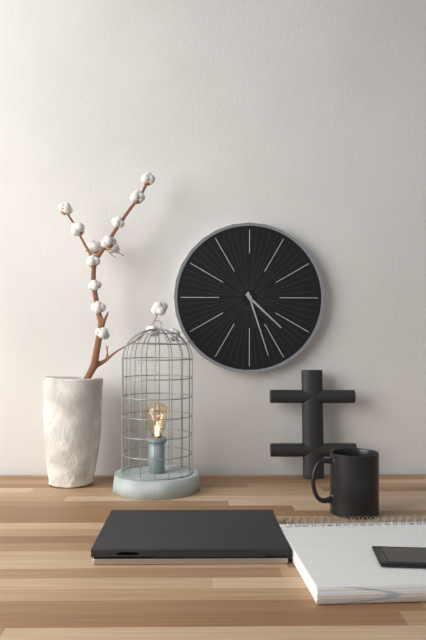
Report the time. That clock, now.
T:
4:27
